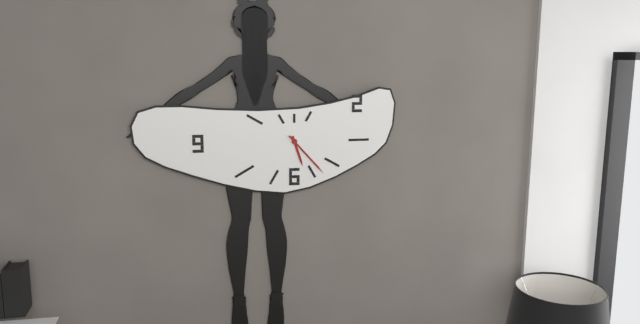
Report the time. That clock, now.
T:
5:23
